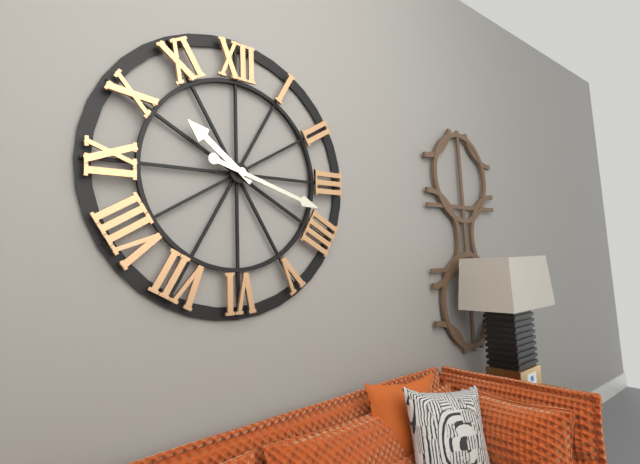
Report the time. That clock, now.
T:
10:18
